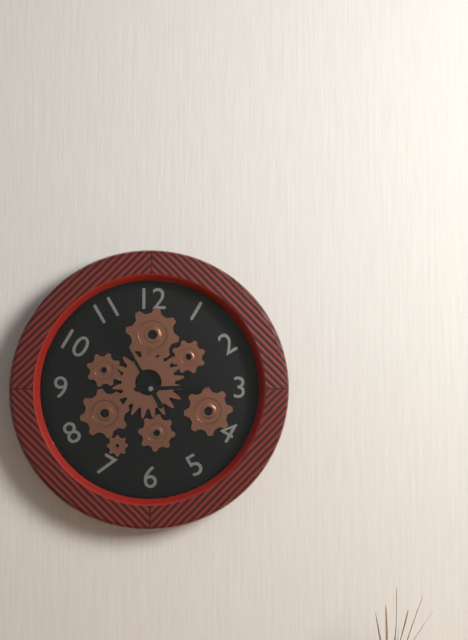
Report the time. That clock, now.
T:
2:55
